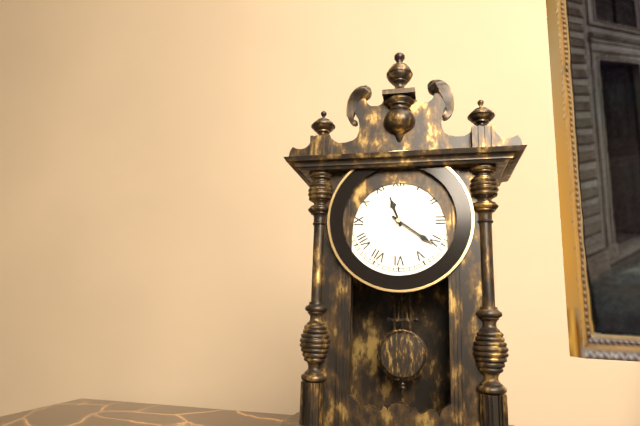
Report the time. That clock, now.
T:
11:21
